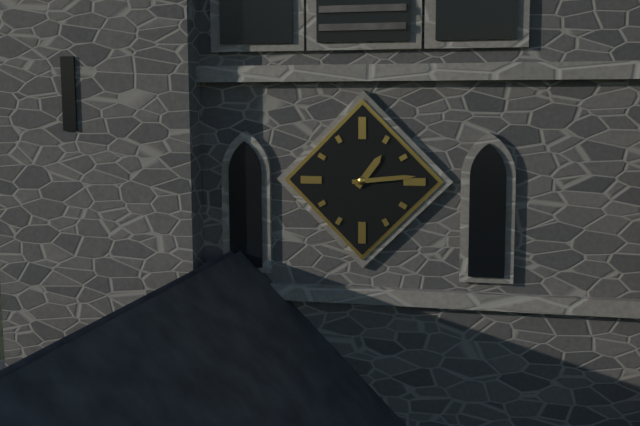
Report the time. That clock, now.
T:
1:14
